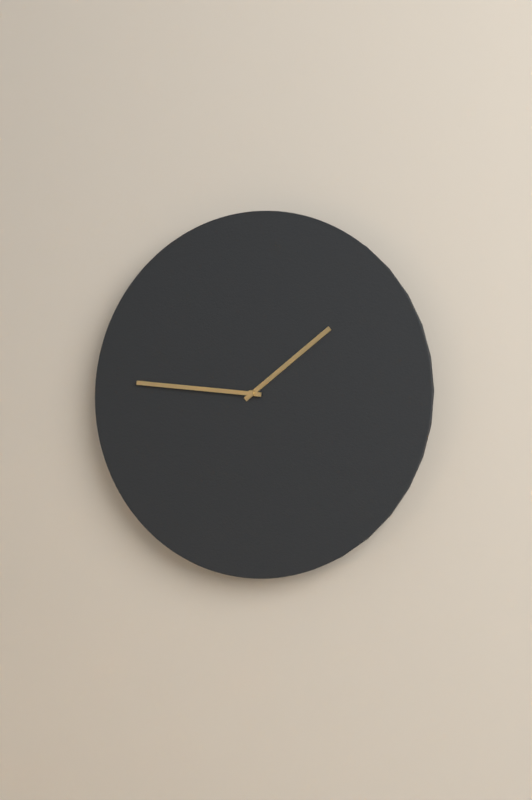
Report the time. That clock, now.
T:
1:46
